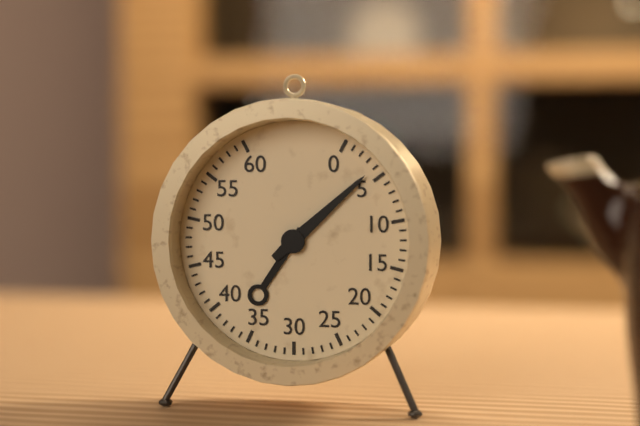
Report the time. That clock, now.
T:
7:08
